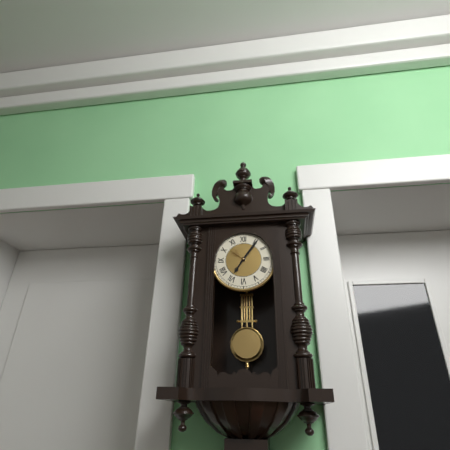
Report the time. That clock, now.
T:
7:06
